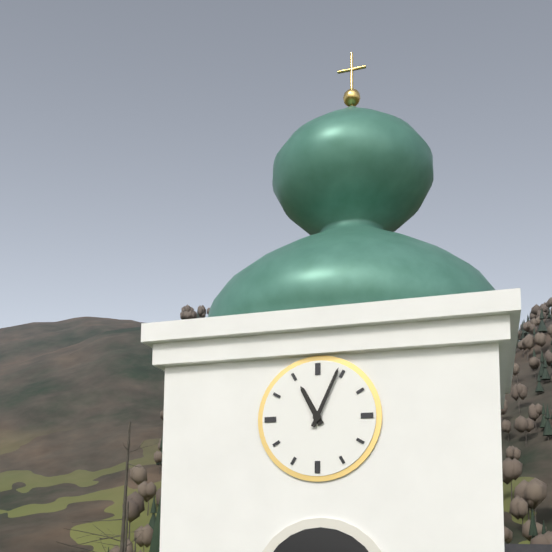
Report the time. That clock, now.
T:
11:04
